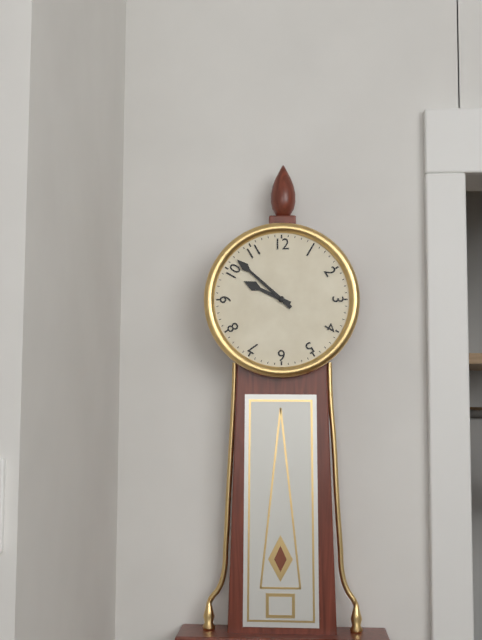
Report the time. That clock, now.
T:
9:52
